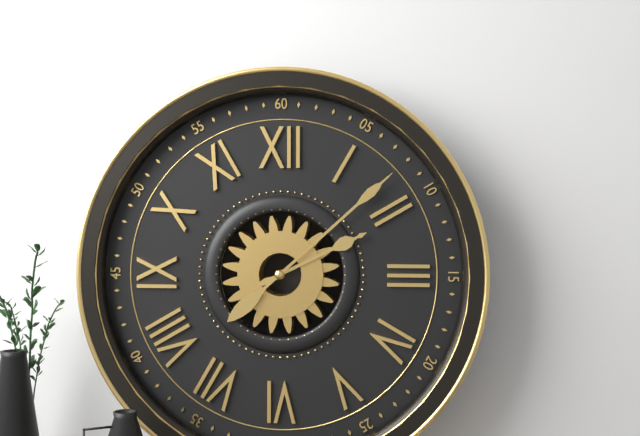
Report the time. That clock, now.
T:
2:08
